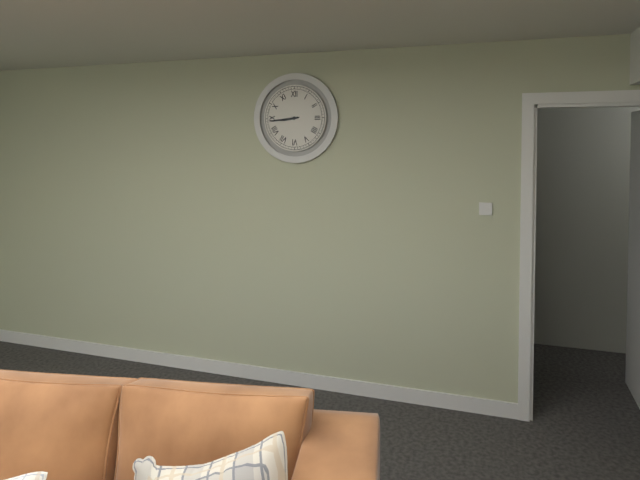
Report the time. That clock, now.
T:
8:44
